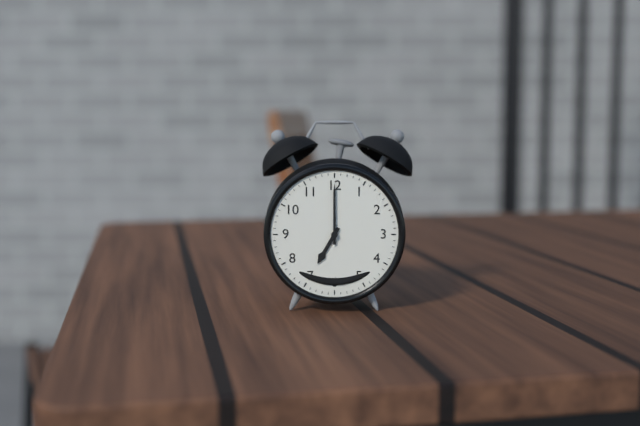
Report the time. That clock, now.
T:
7:00
